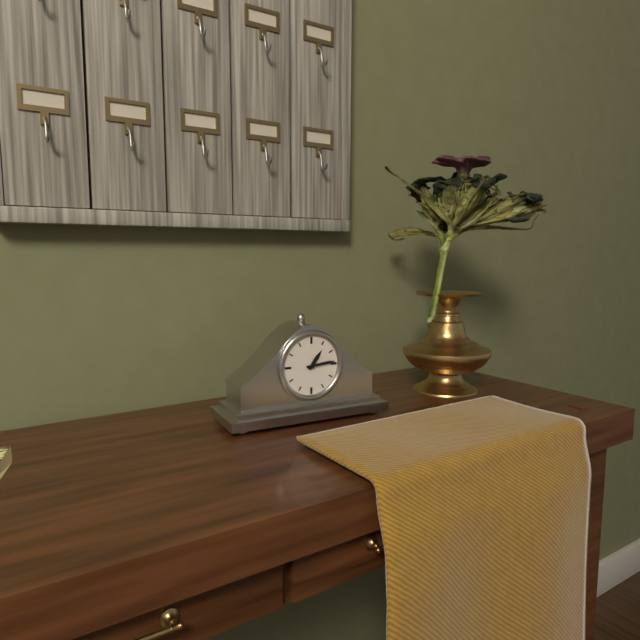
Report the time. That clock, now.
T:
1:14
